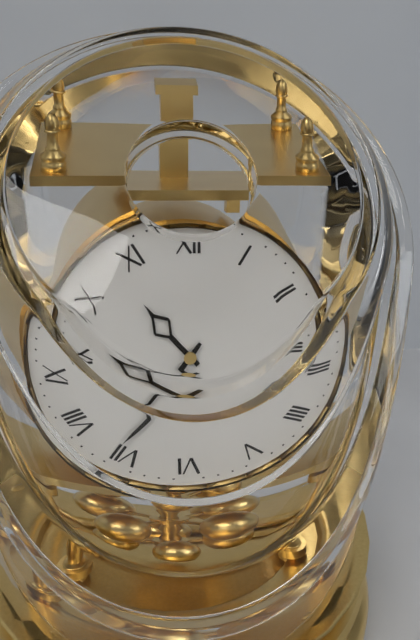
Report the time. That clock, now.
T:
10:36
